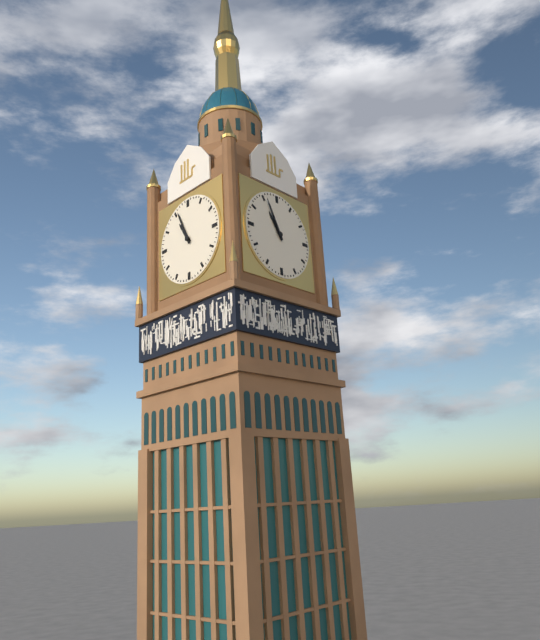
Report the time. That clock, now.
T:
10:56
